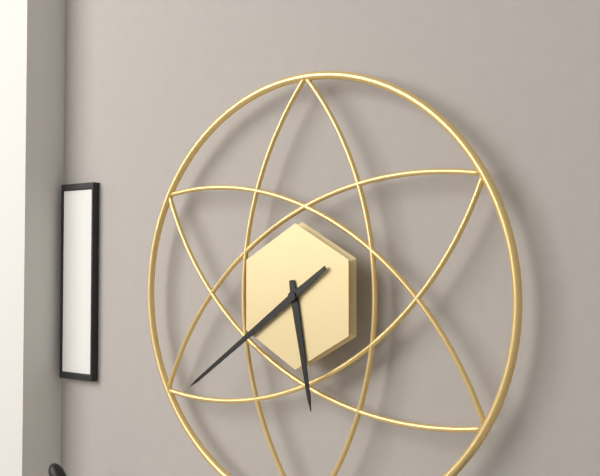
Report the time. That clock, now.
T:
5:39
